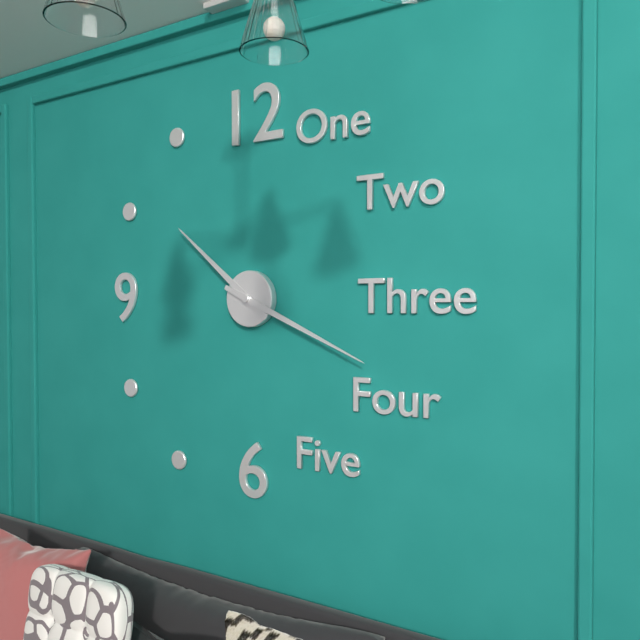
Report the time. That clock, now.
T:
10:19
